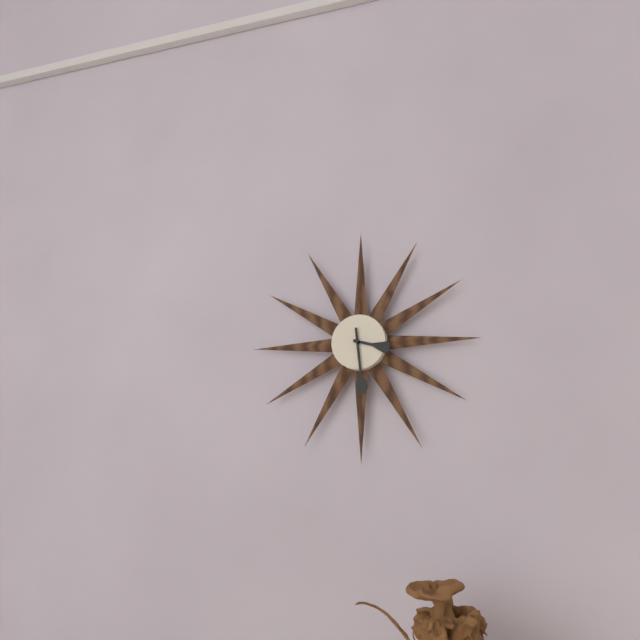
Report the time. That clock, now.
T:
3:29
